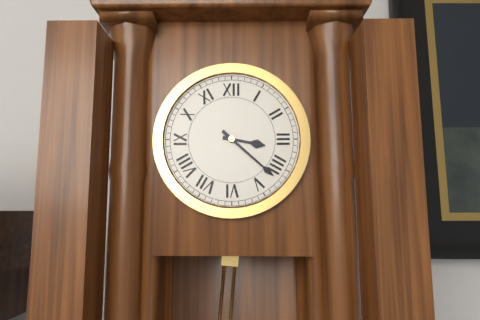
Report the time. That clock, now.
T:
3:22
